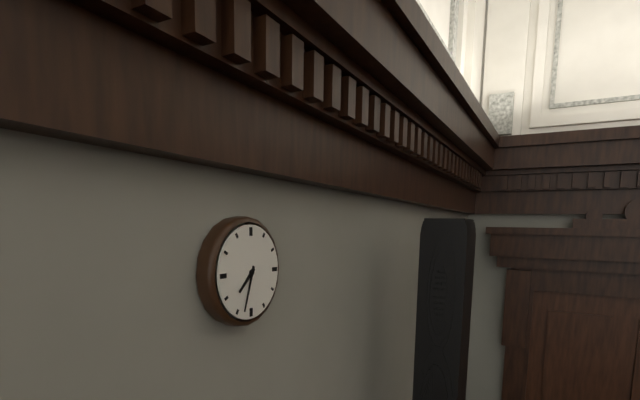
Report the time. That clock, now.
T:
7:33
